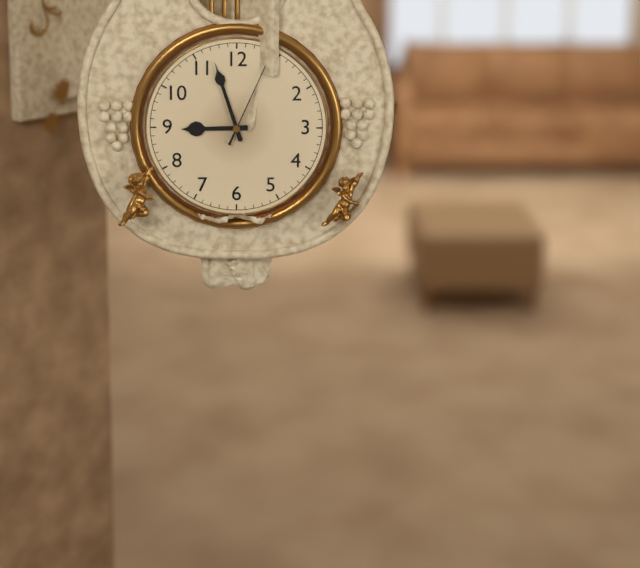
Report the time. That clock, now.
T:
8:57:04
